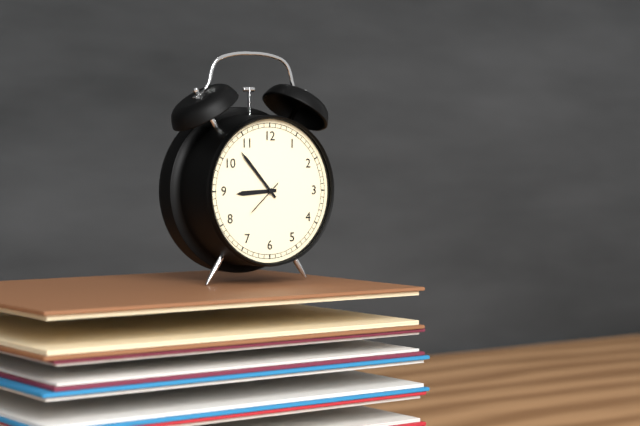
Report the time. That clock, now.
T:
8:53
